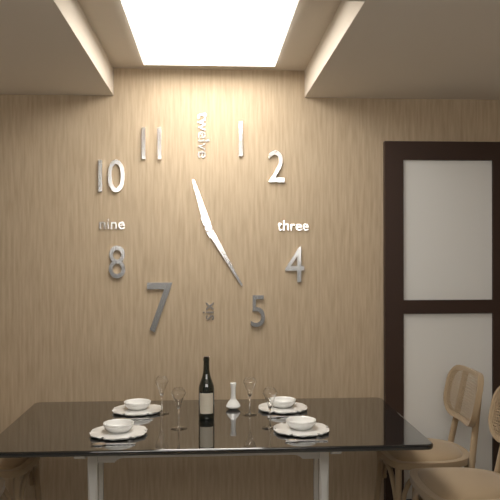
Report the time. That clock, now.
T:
11:25
